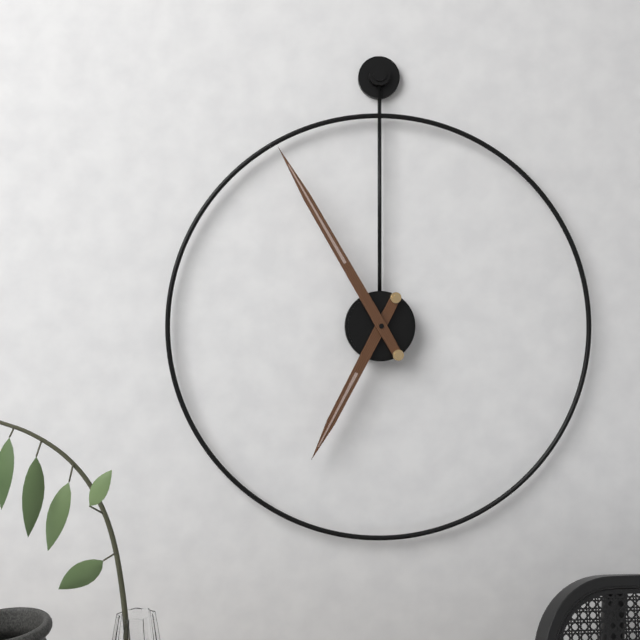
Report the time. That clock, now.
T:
6:55
